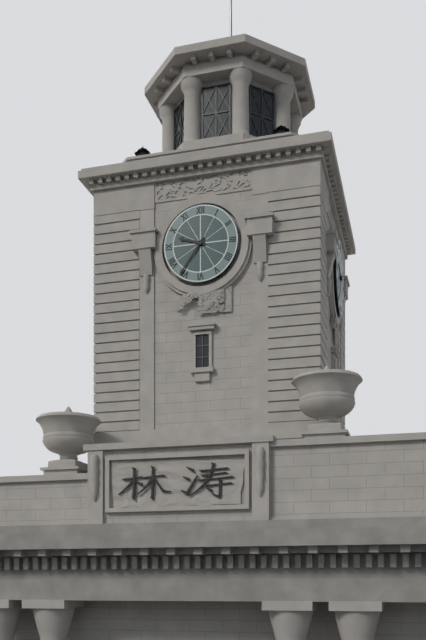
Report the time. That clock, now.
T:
9:36
